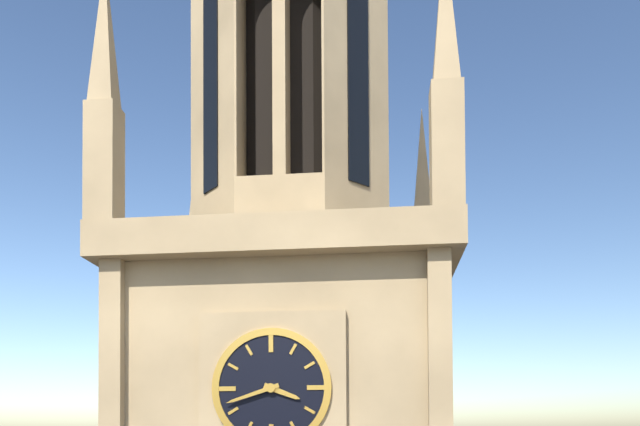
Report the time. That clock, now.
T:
3:42
